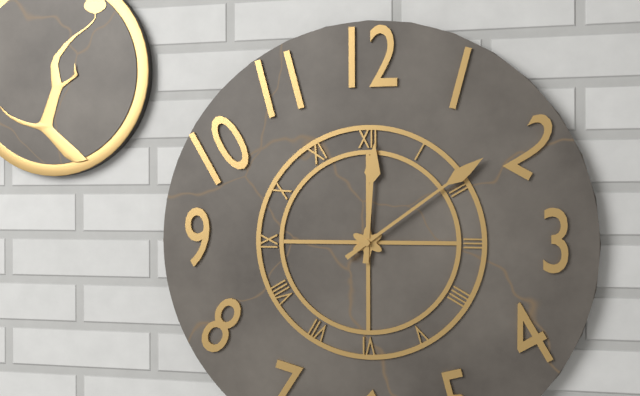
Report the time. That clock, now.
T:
12:09
